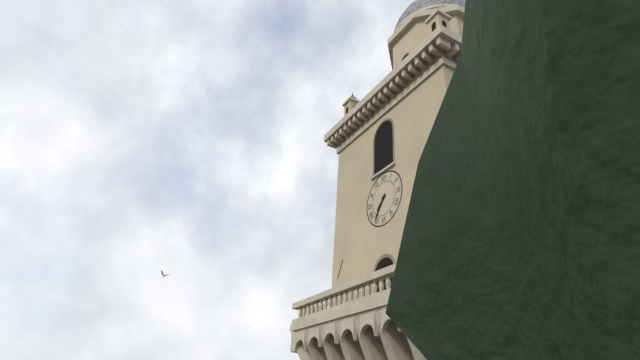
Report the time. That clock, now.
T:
7:36
